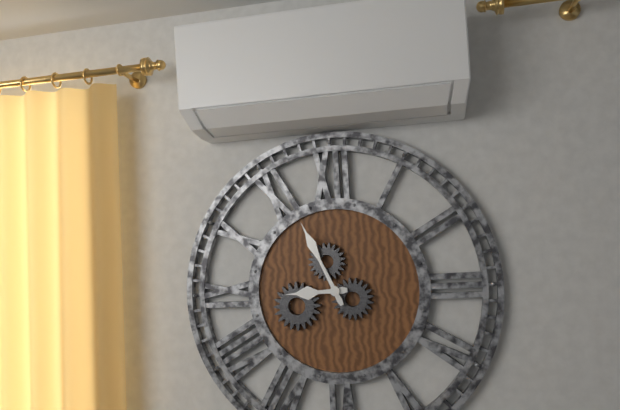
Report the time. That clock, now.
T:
8:56
